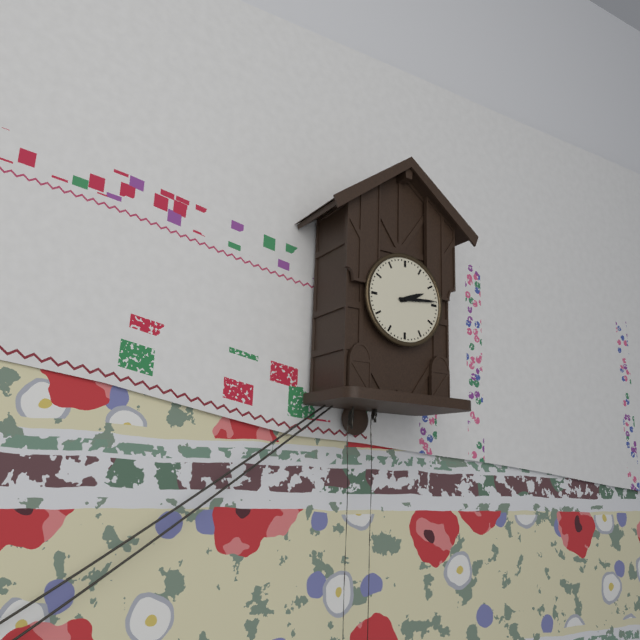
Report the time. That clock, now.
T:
2:14
